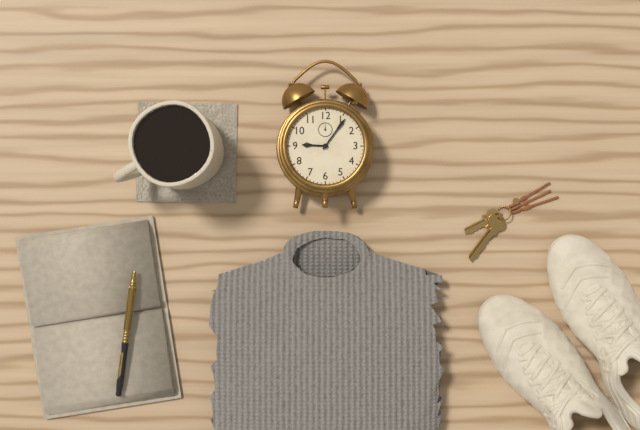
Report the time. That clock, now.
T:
9:06
